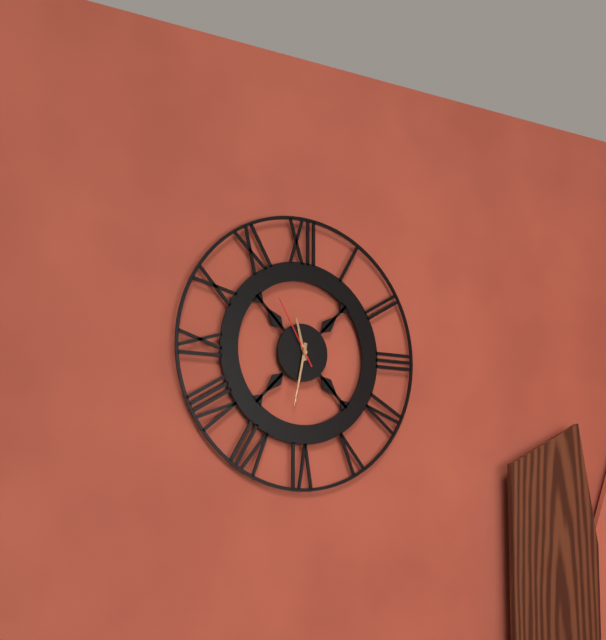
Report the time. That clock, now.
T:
11:32:55
